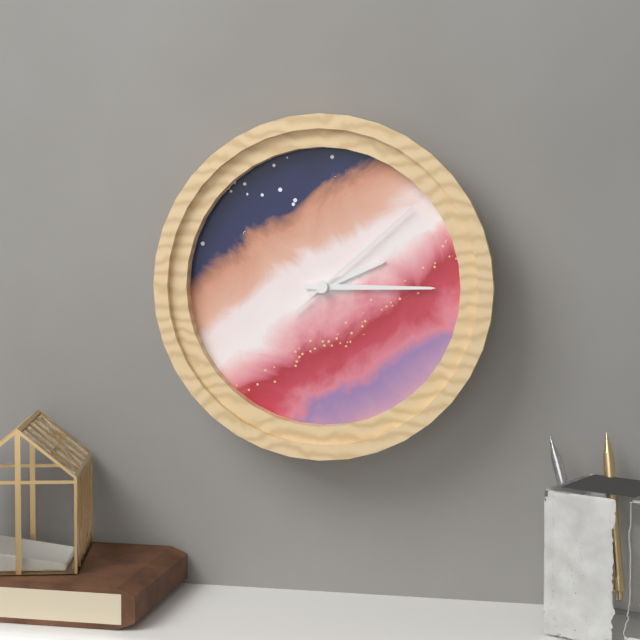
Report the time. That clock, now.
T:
2:15:08
